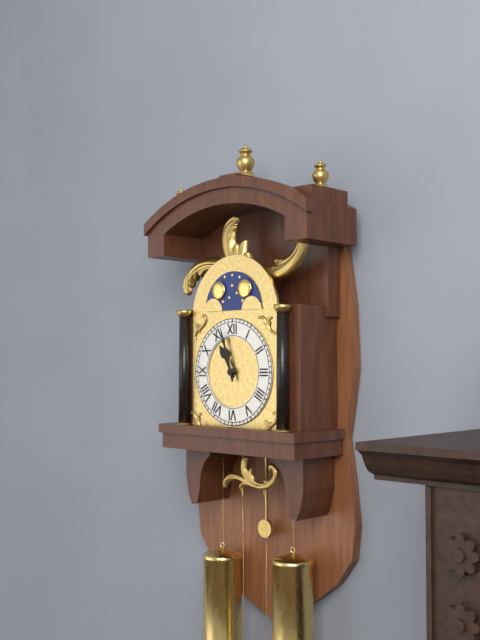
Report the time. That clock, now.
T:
10:57
